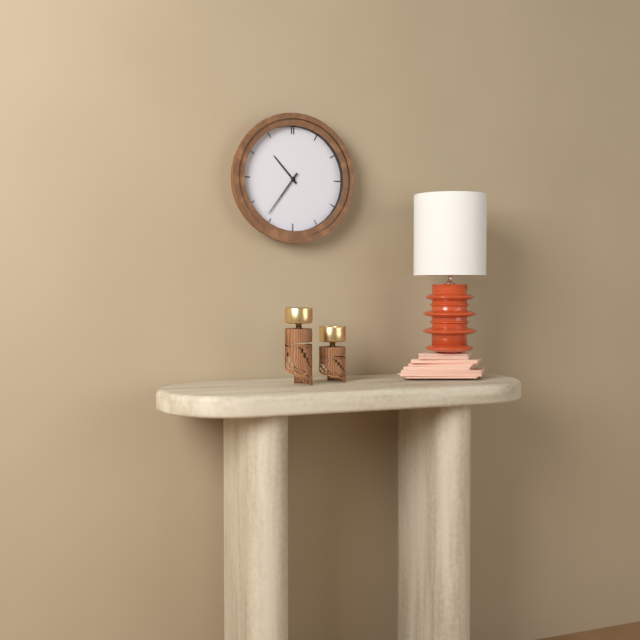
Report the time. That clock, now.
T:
10:36
